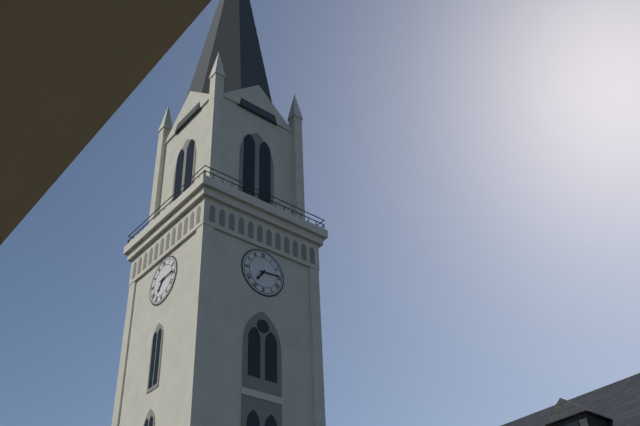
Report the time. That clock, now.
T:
7:14
